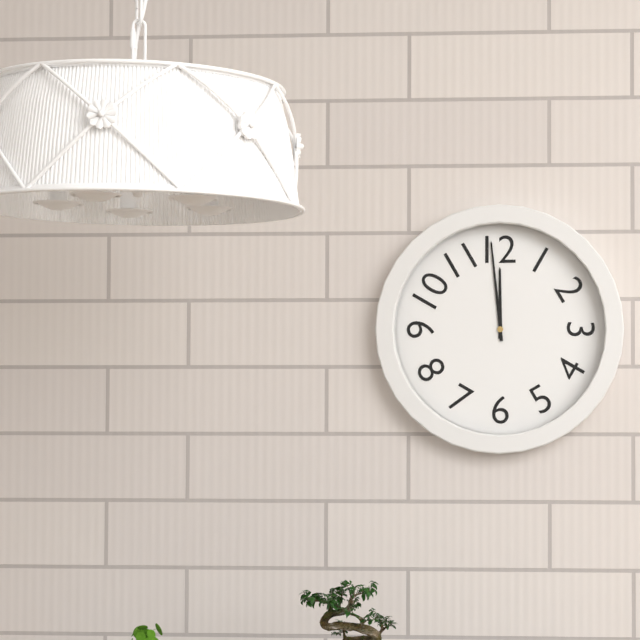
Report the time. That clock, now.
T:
11:59
